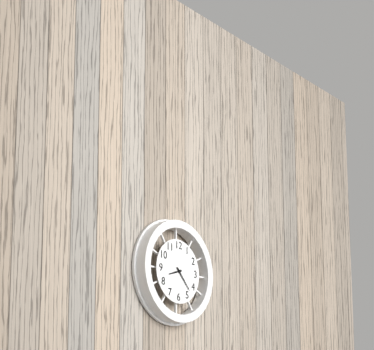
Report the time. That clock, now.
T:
8:23
